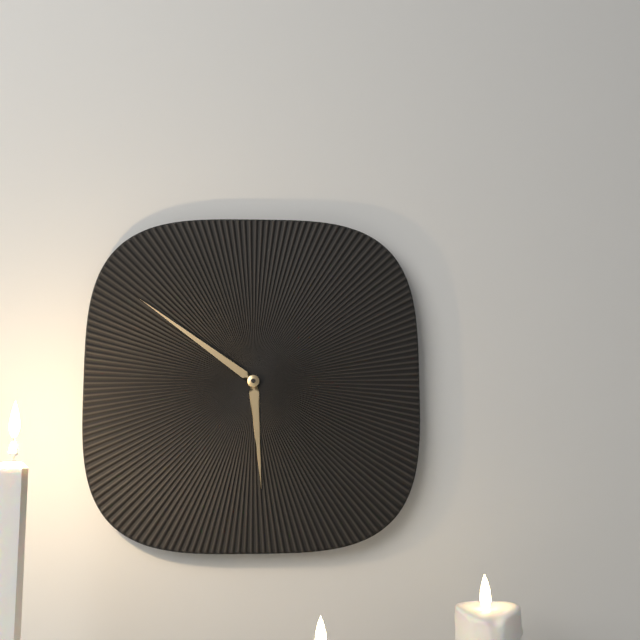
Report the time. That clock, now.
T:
5:51
